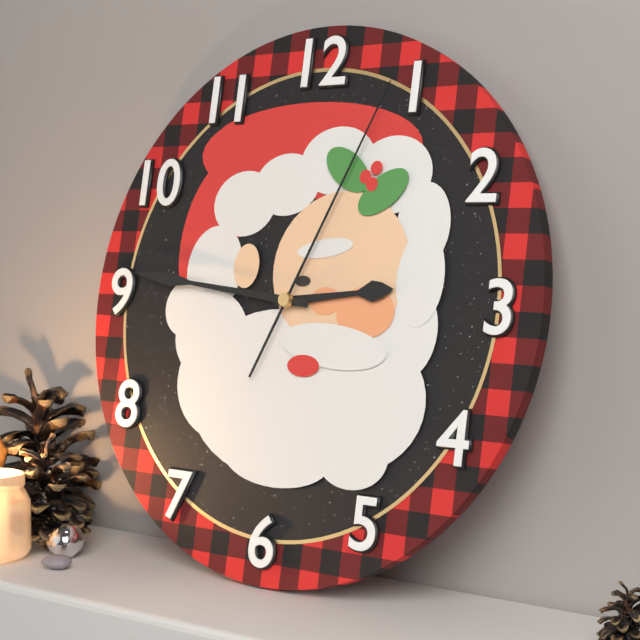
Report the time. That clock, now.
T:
2:46:04
